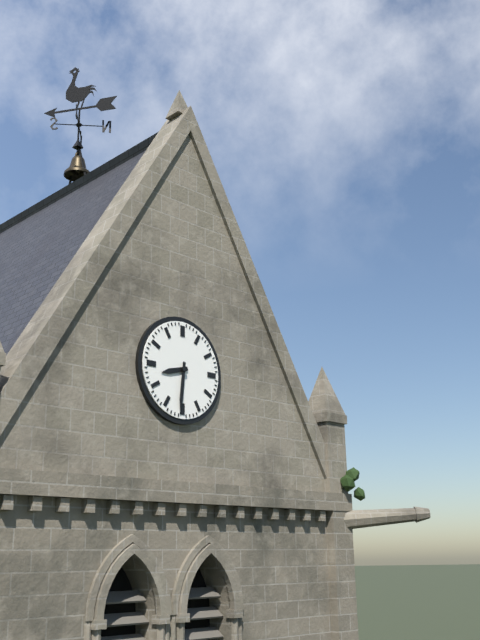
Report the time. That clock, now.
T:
8:31
